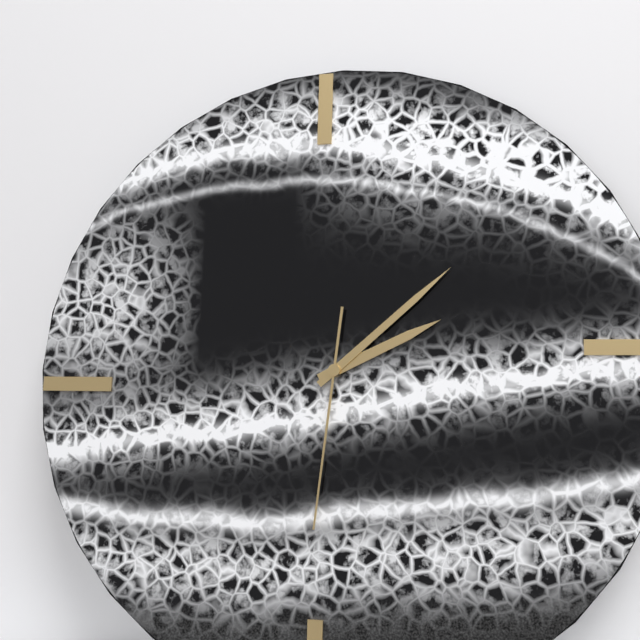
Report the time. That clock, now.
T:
2:08:31
